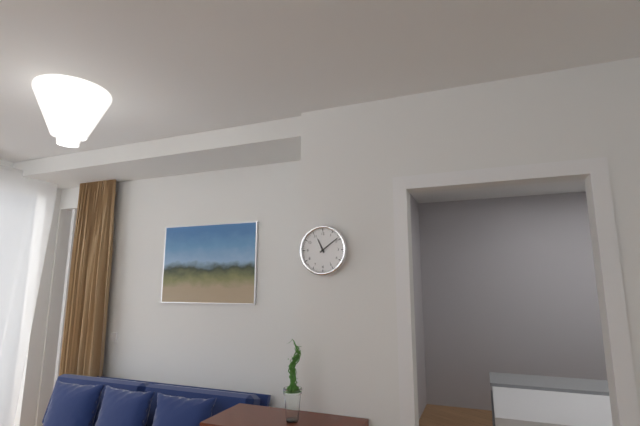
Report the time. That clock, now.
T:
11:09
